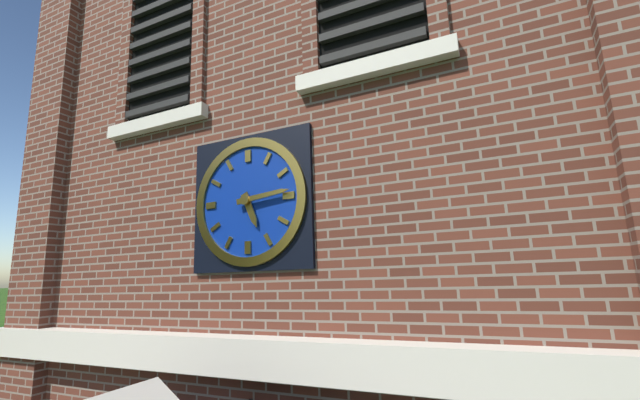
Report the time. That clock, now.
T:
5:14
